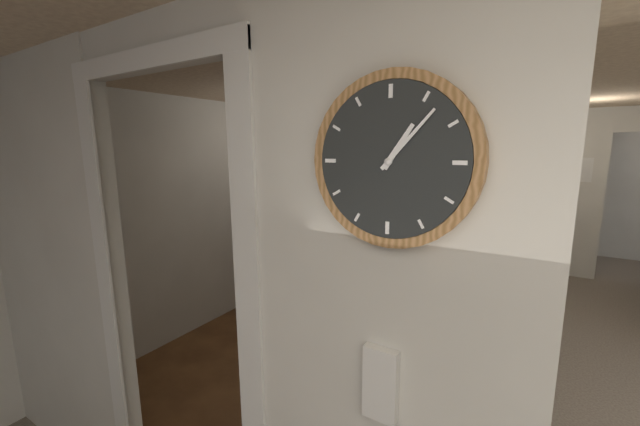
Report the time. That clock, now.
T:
1:07
